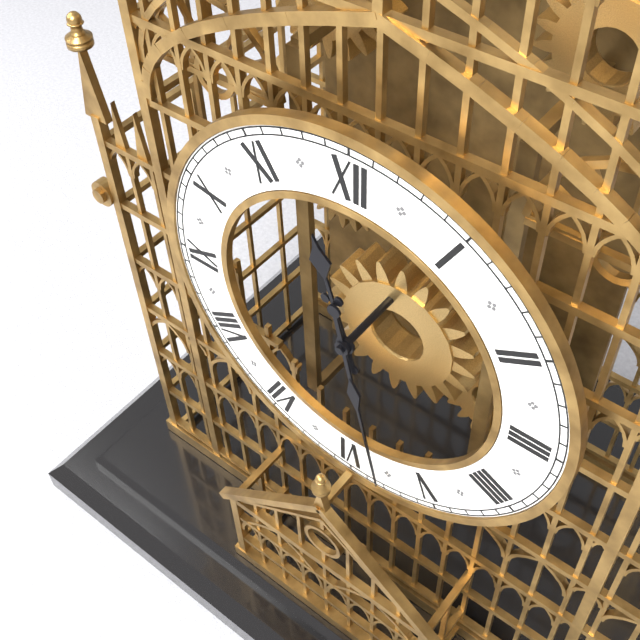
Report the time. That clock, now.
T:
11:28
